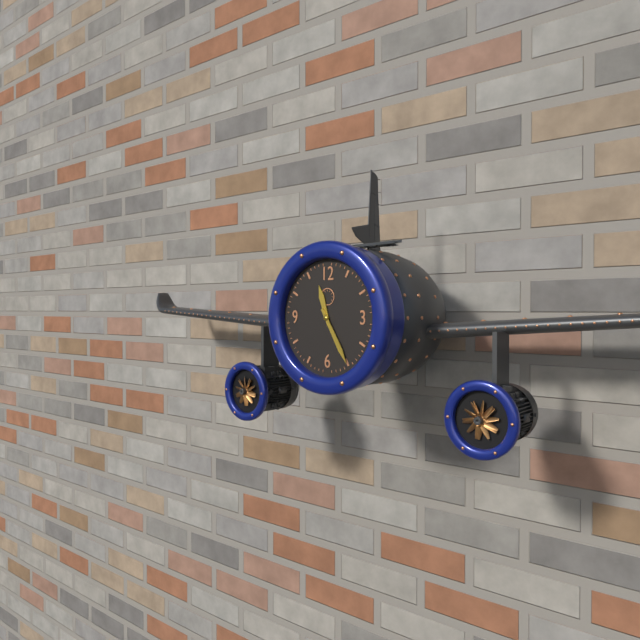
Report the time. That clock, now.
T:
11:25
